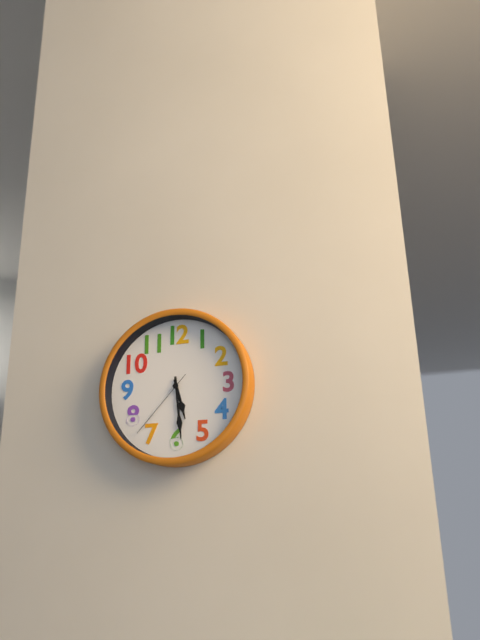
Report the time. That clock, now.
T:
5:29:37
